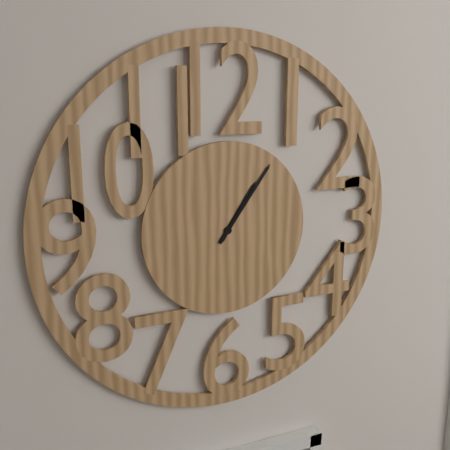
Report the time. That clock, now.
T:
1:06
